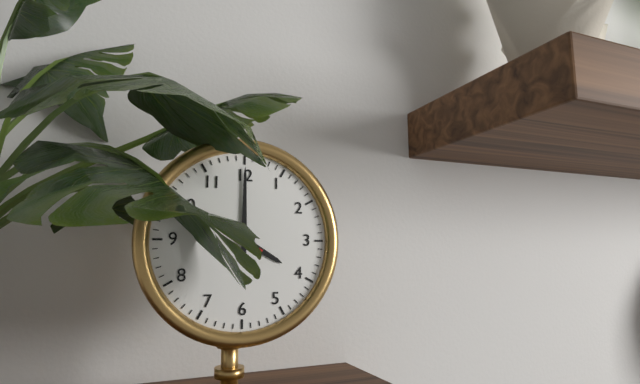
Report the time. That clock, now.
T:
4:00
